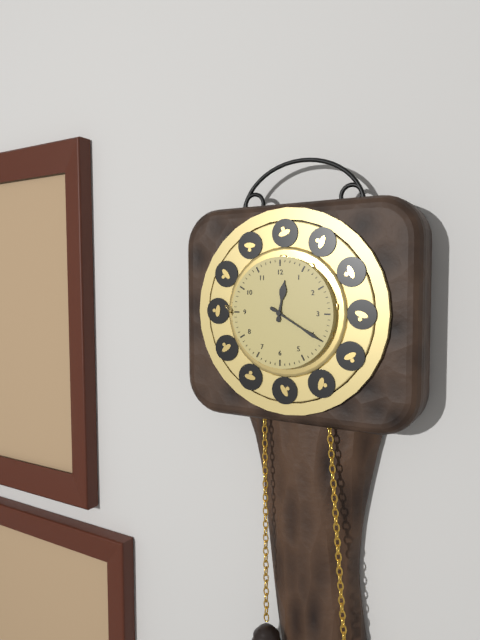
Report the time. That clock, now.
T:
12:20
